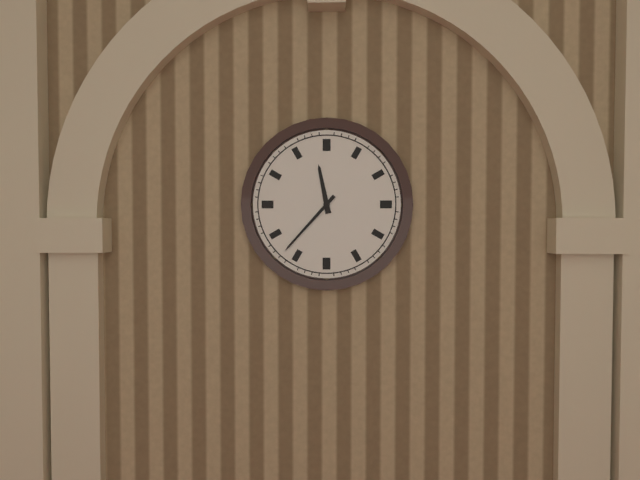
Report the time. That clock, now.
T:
11:37
